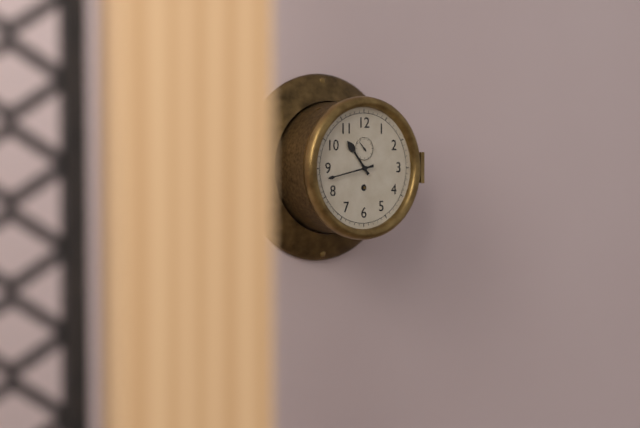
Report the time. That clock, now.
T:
10:43
